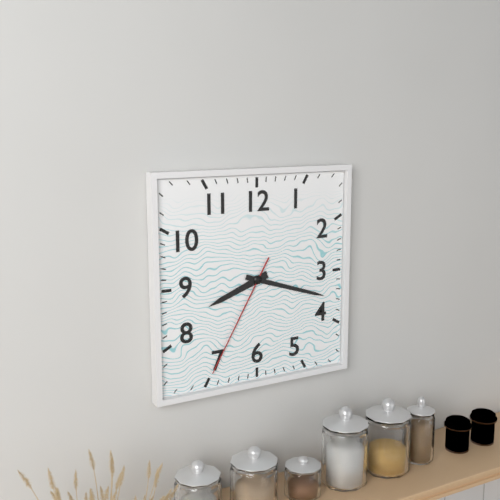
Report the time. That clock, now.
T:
8:18:35
